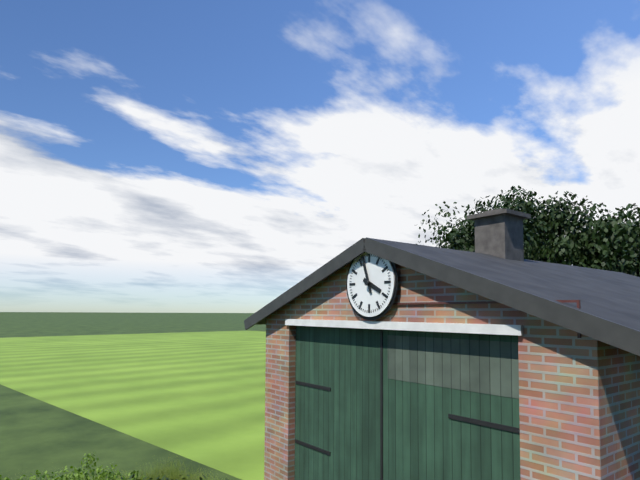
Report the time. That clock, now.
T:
3:57
